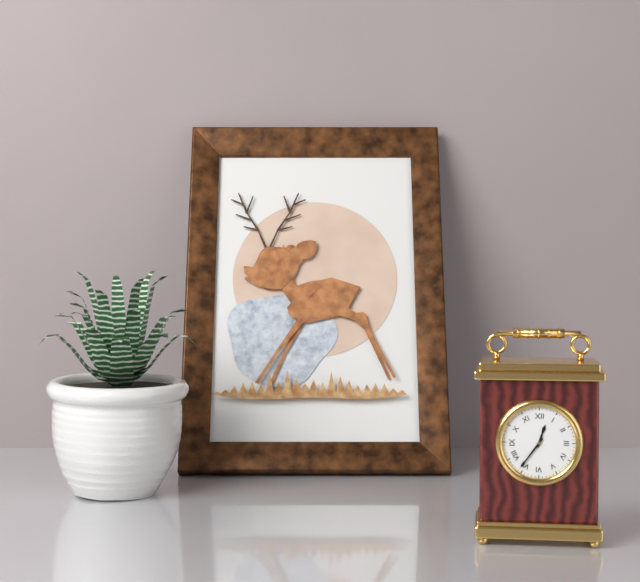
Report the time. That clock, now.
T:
12:36
